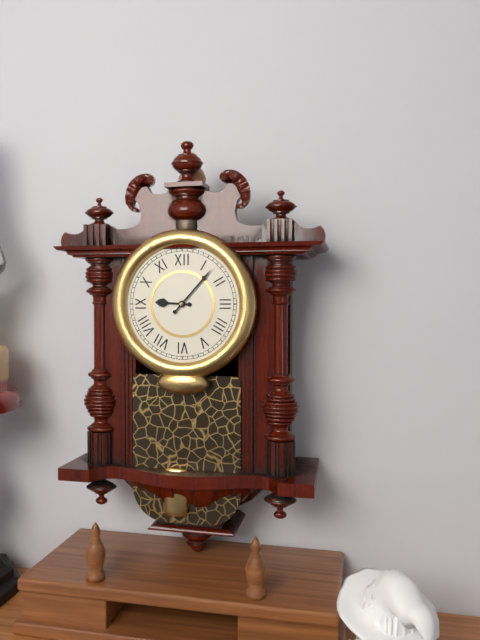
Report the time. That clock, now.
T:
9:07
